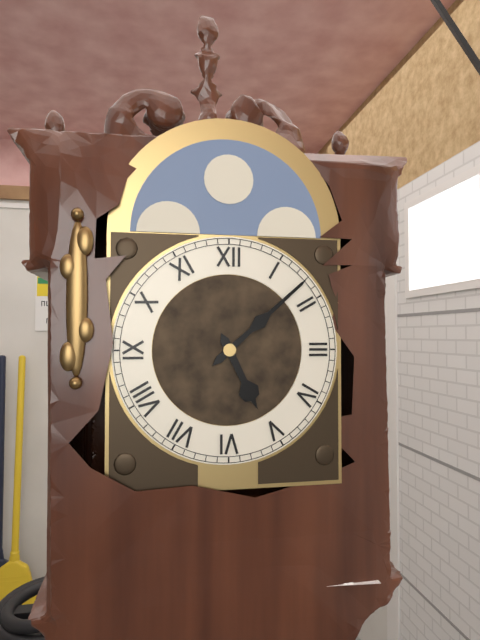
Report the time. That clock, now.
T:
5:08
